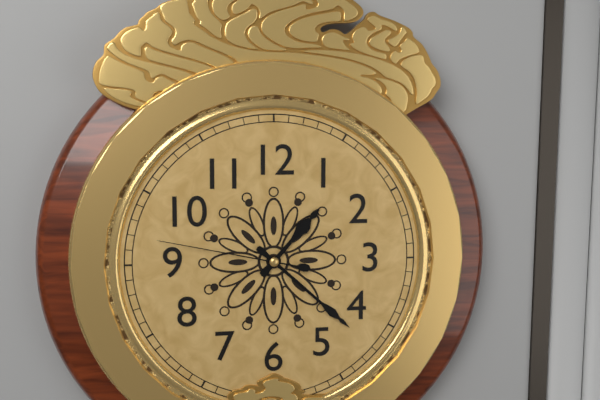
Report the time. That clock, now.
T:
1:22:47
